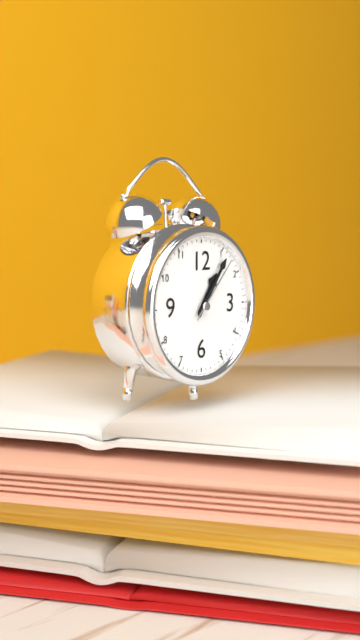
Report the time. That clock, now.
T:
1:06:07
